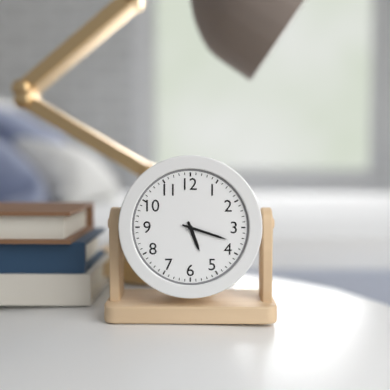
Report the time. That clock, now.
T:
5:18
